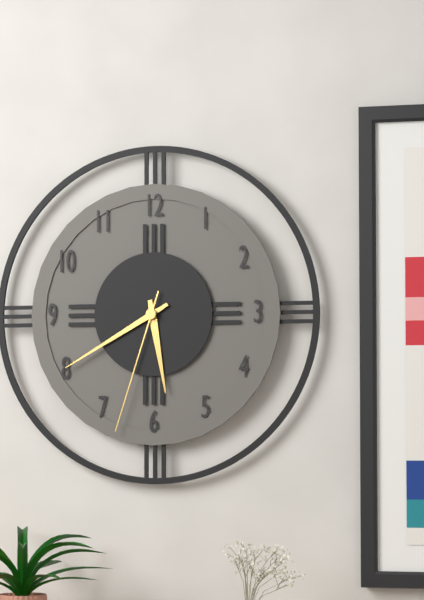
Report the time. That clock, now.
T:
5:40:33
